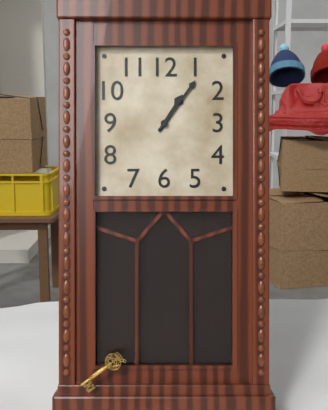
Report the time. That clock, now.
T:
1:06
